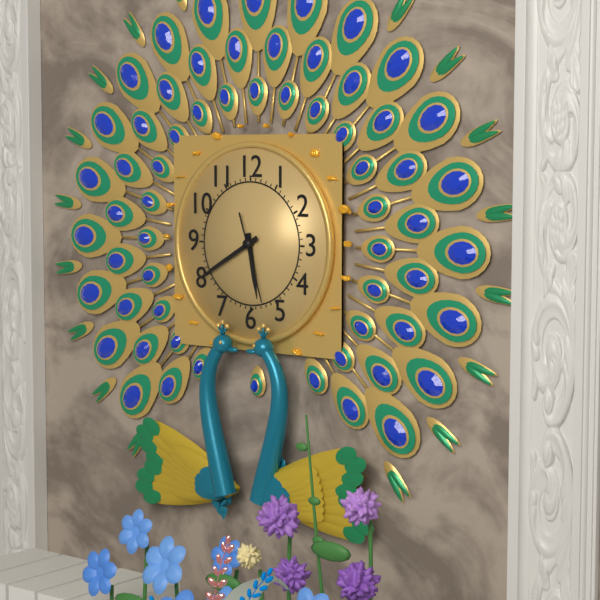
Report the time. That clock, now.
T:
5:40:27
